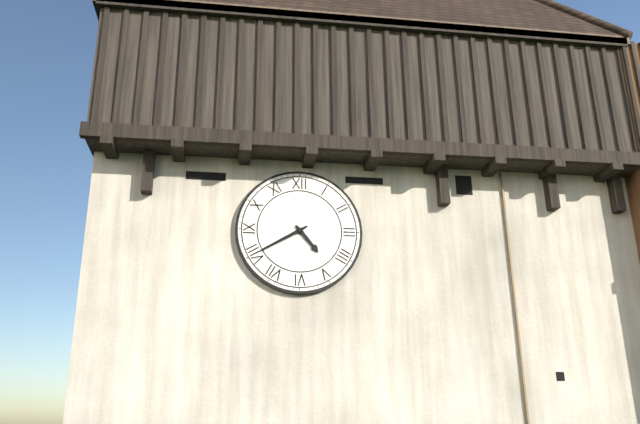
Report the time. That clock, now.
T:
4:40
